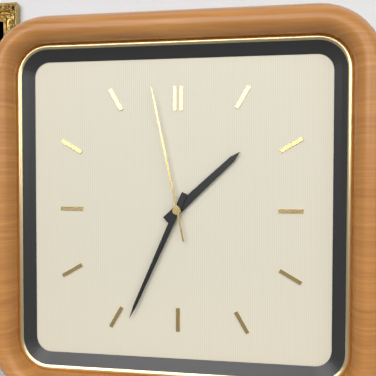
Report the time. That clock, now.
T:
1:34:58
